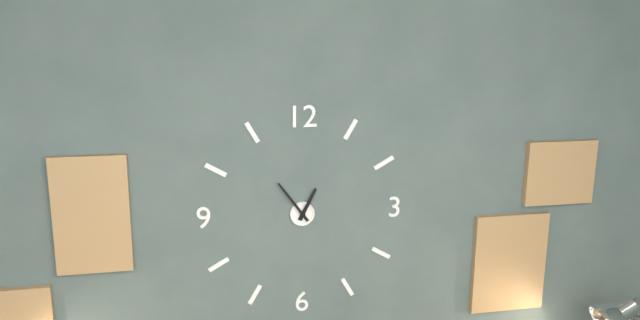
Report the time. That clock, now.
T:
12:54
